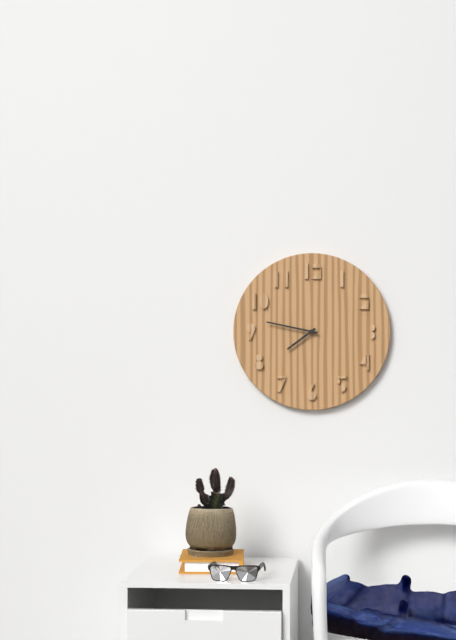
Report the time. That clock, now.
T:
7:47
